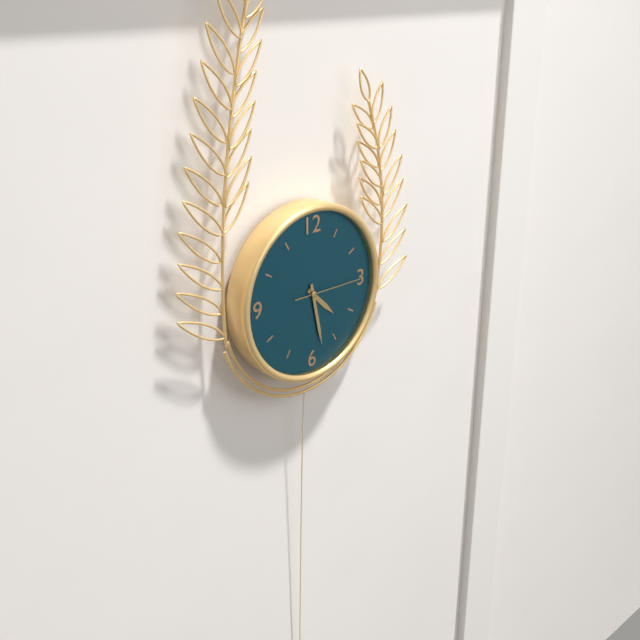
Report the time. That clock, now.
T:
4:28:15
